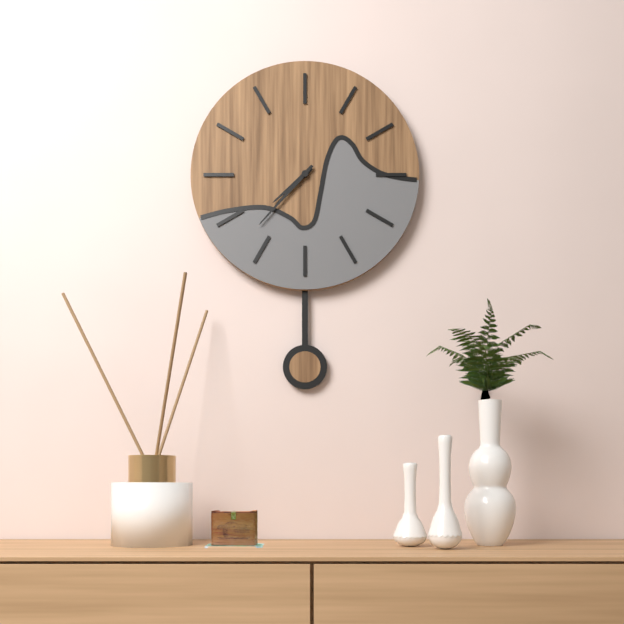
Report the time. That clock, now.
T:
7:37
